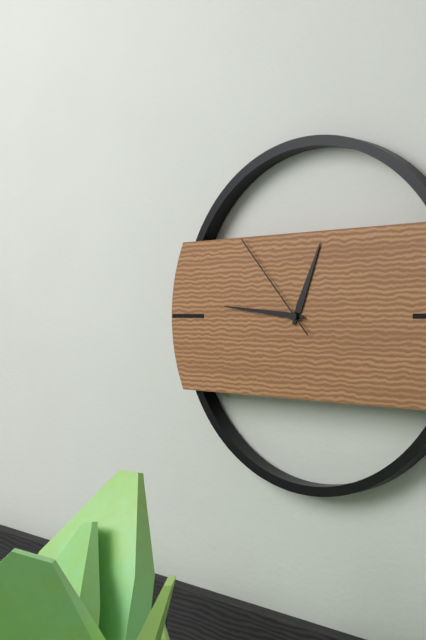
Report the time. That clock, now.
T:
12:46:53
